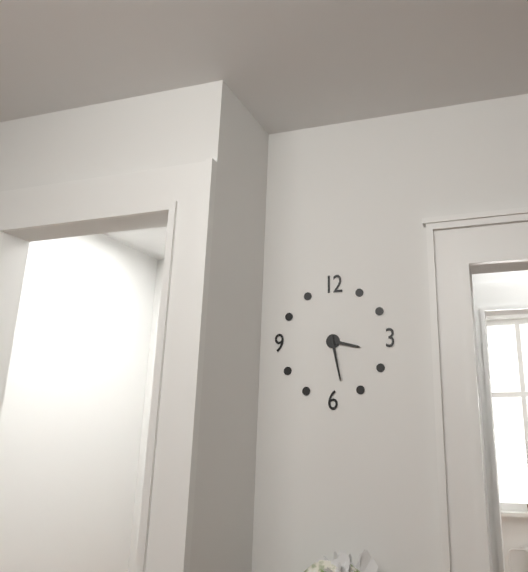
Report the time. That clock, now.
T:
3:28
